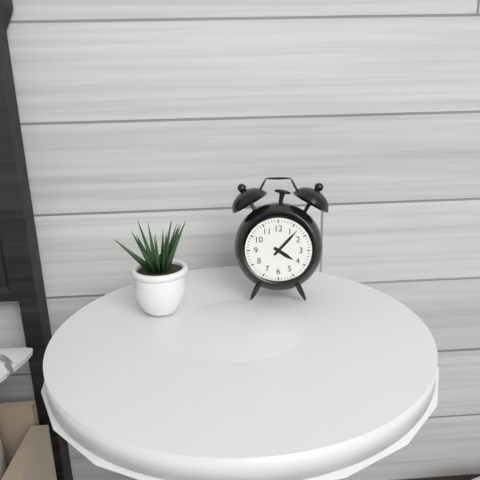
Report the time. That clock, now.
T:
4:07
